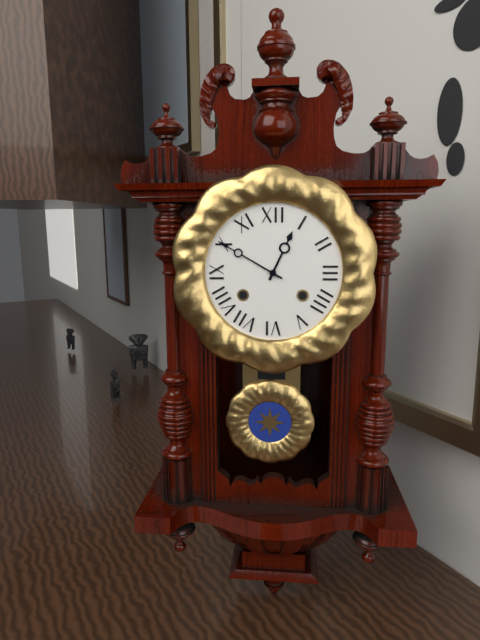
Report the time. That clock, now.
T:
12:50
